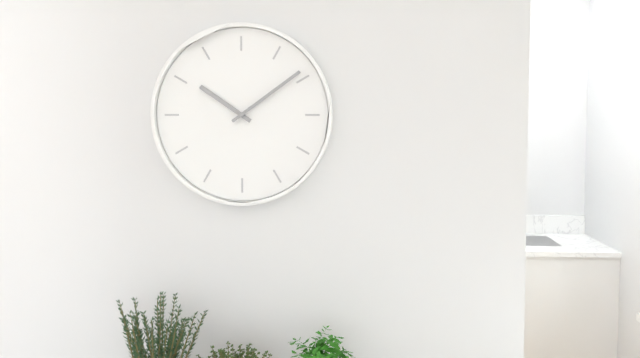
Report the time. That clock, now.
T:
10:09
